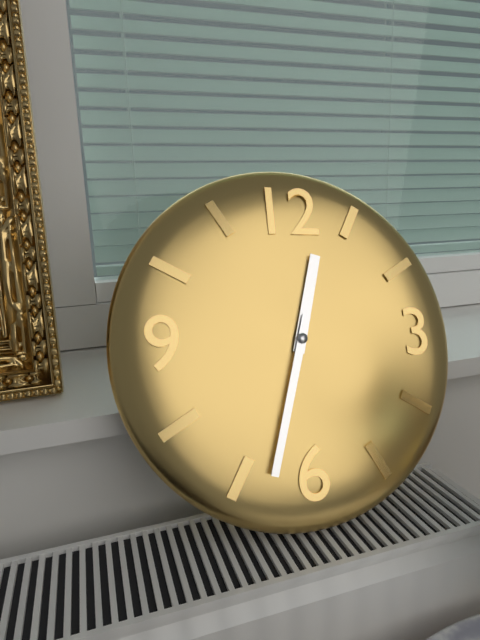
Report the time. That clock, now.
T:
12:33
